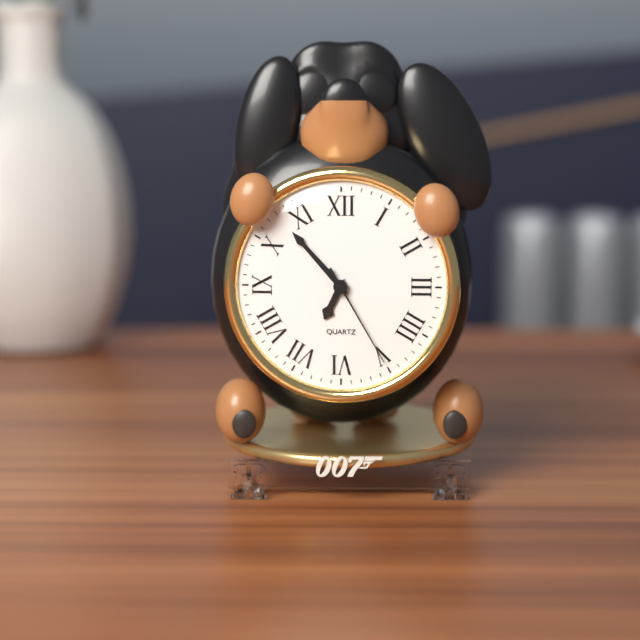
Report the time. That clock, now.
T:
6:53:25
